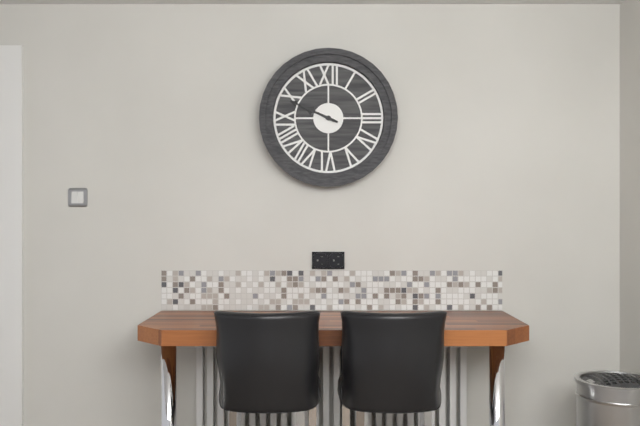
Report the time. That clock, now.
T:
9:49
